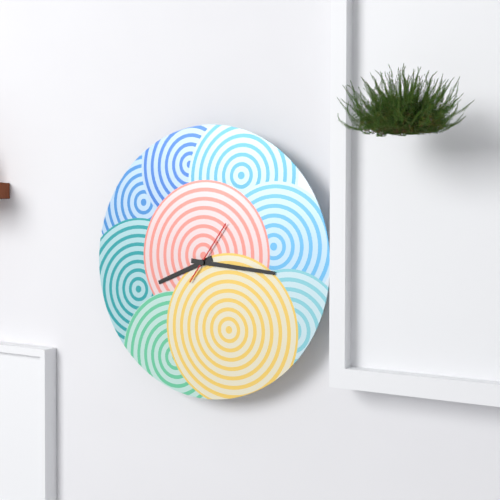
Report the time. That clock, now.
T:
8:16:06
